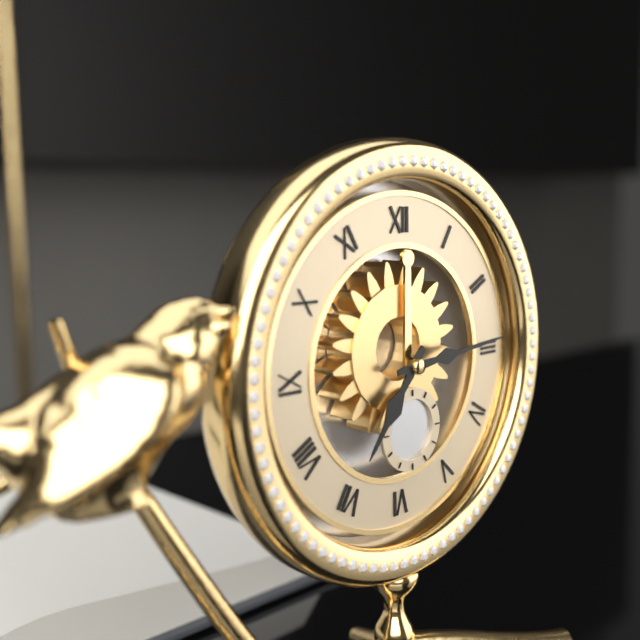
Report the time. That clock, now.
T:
7:14
